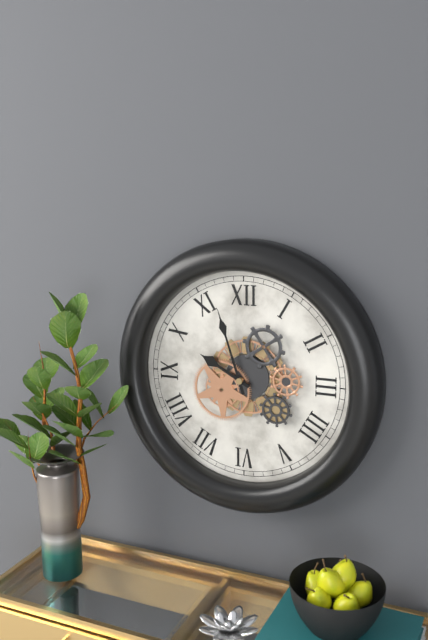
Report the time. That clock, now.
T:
9:57
